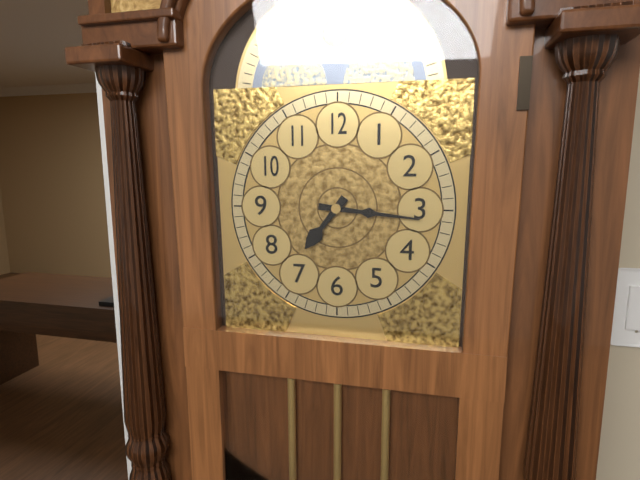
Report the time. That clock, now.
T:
7:16
